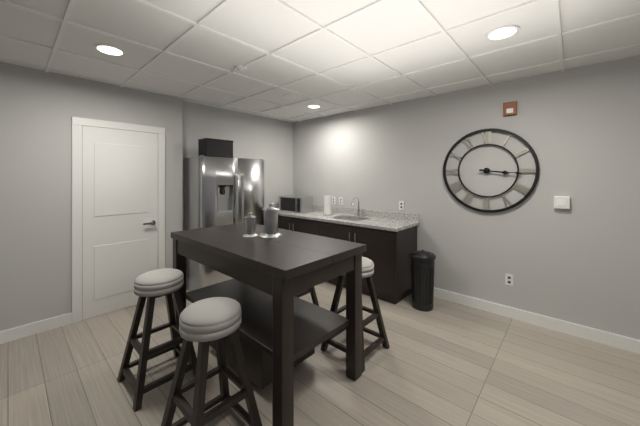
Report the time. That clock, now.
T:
3:16
